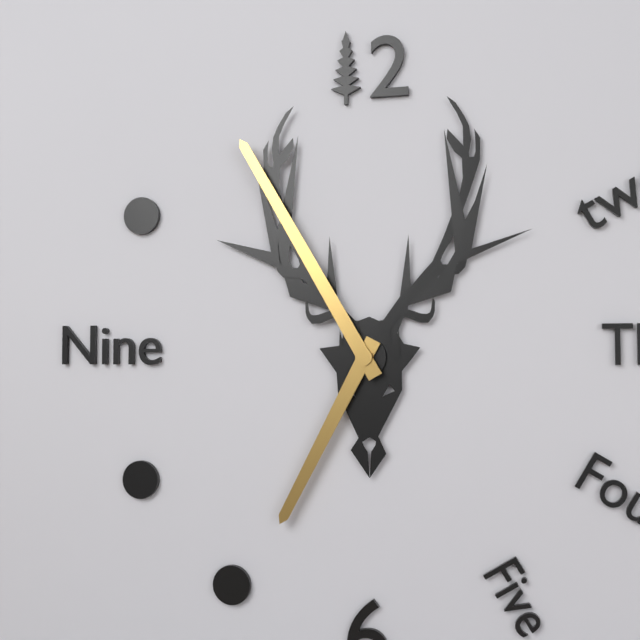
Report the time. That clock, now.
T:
6:55
